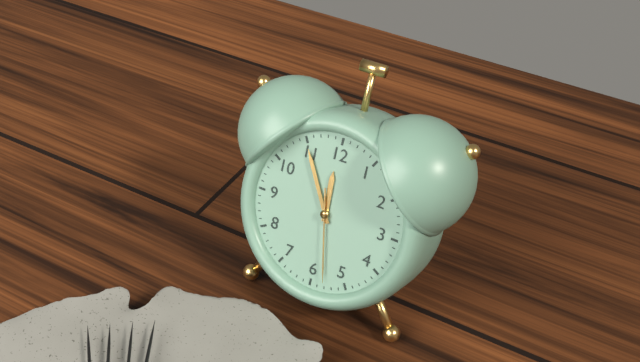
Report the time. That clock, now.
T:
11:55:28
